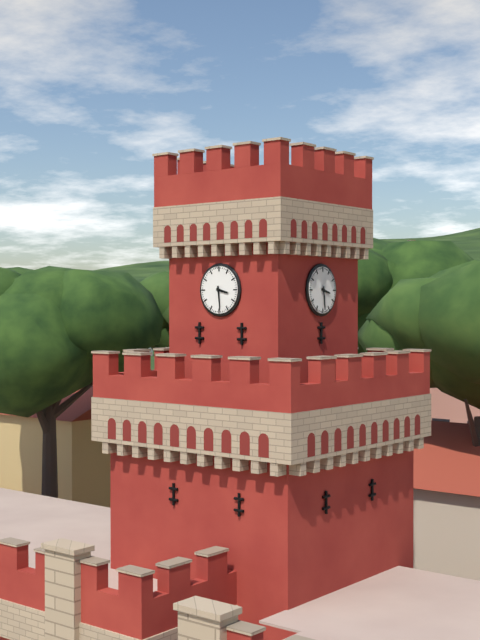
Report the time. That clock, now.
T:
3:29
